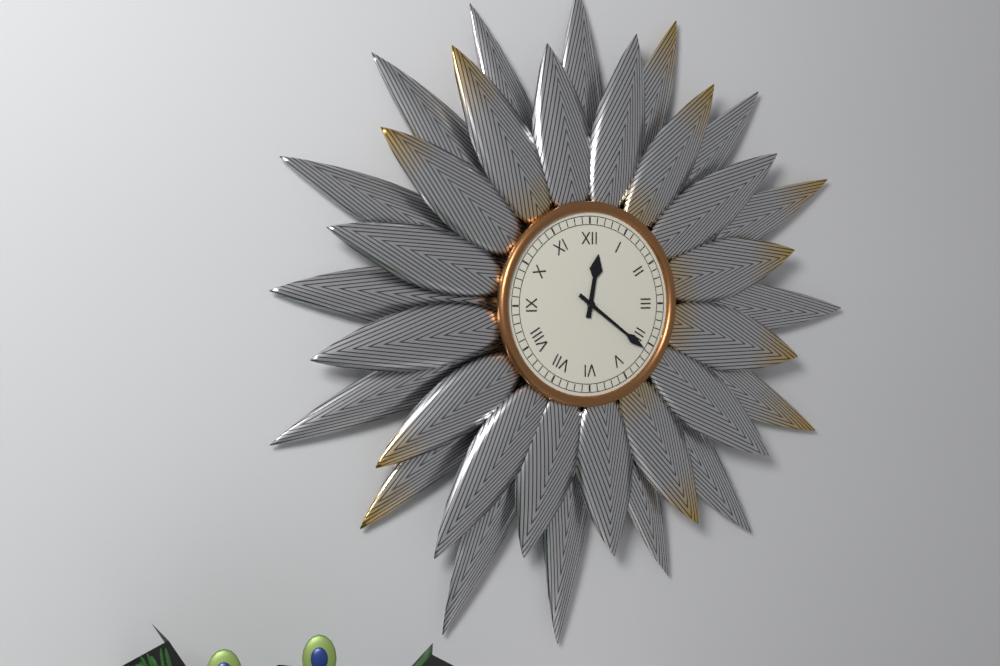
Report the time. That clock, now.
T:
12:21
